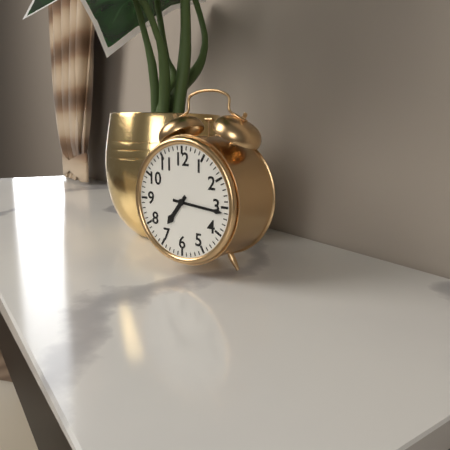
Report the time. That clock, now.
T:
7:16
